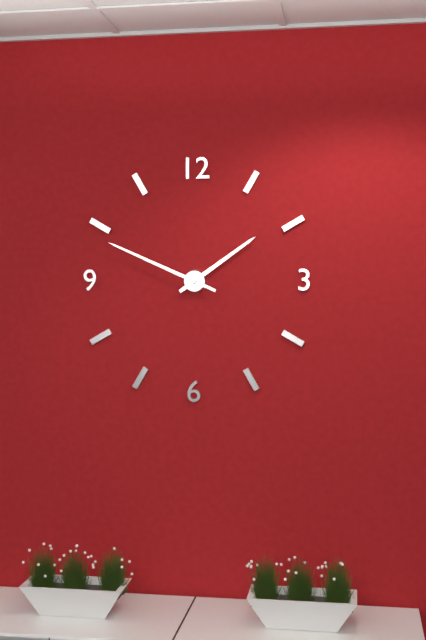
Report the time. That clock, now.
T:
1:49
